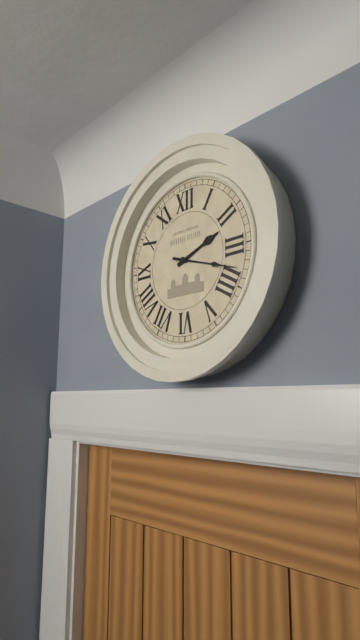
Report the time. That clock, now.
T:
2:18
